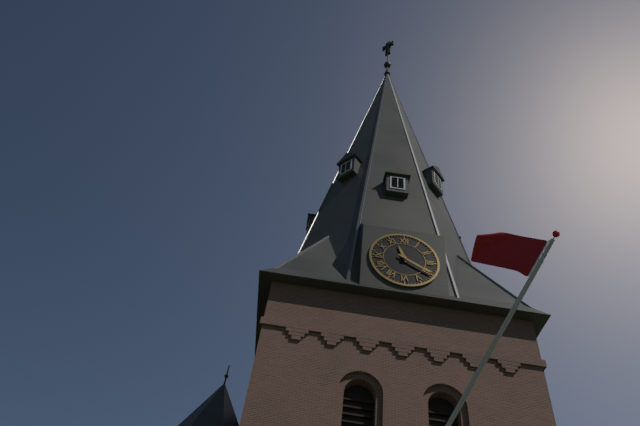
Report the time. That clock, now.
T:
11:20
